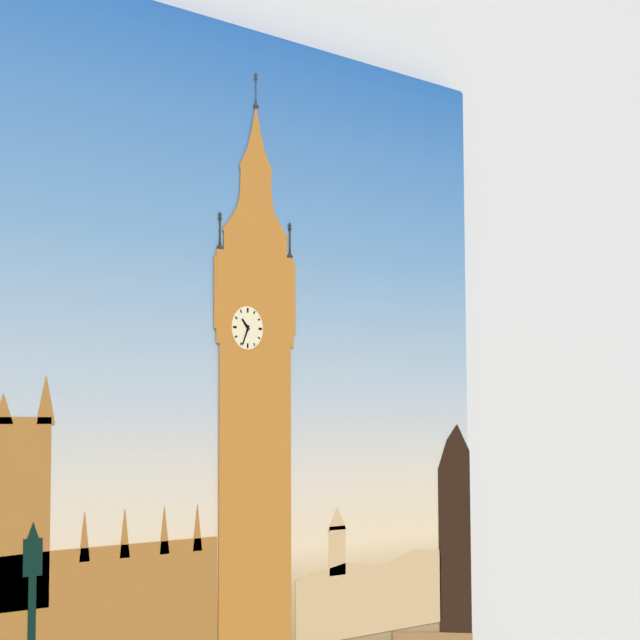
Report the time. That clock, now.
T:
10:34
